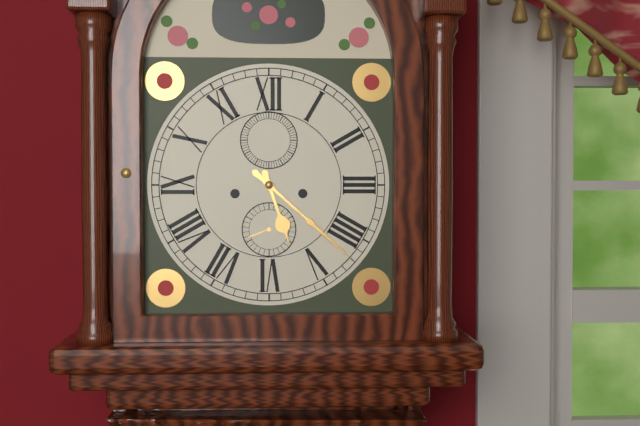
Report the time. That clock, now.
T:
5:22
